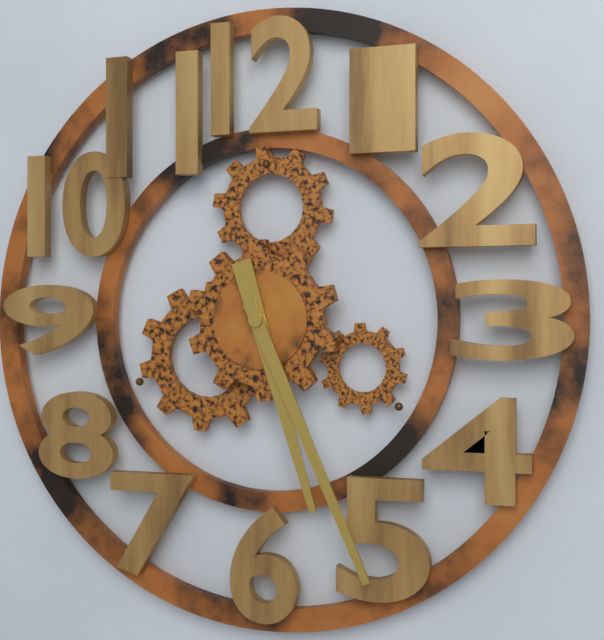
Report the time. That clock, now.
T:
5:26
